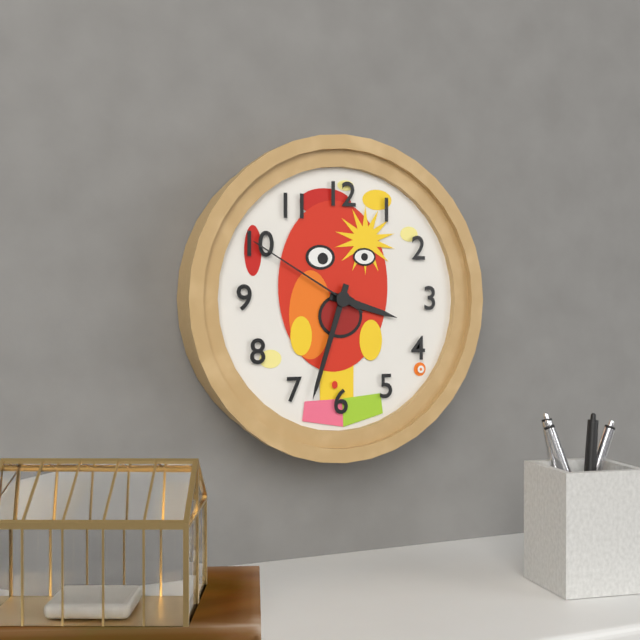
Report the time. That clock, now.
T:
3:33:50
